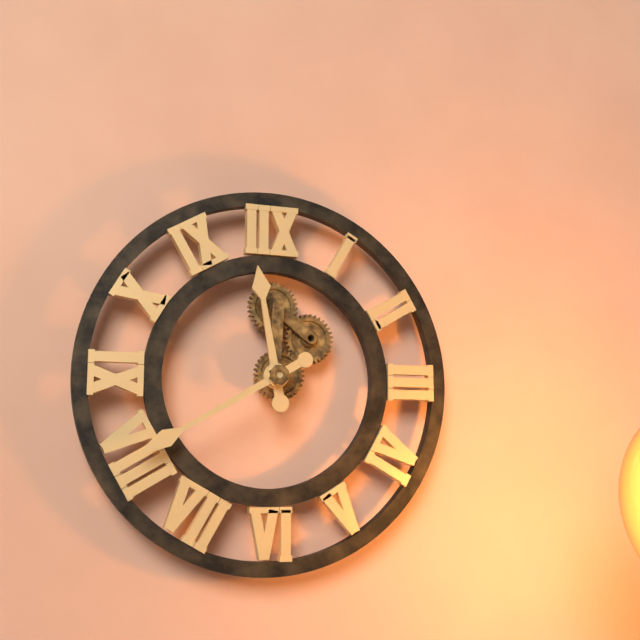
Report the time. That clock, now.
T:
11:40
